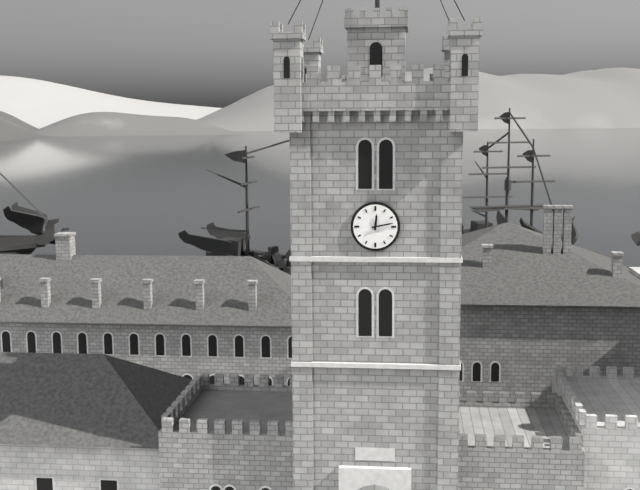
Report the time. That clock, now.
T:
12:13
